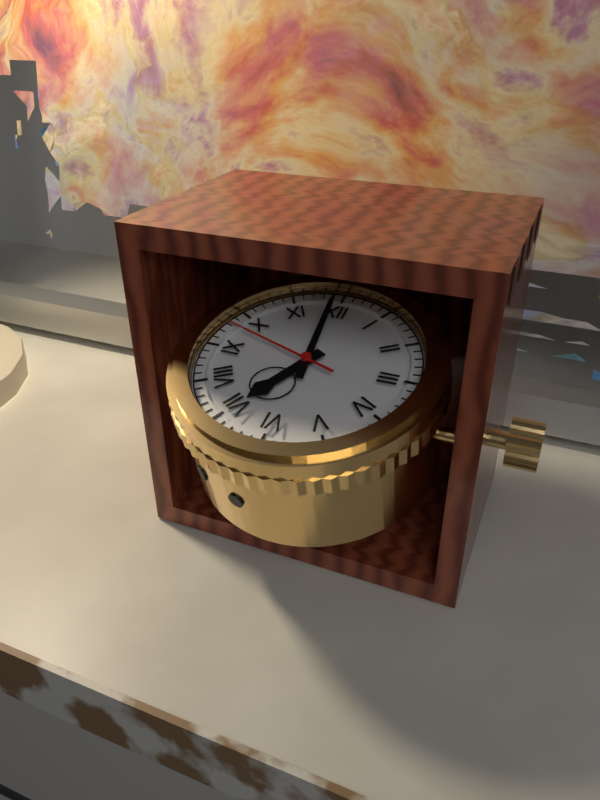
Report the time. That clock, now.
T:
6:59:48
